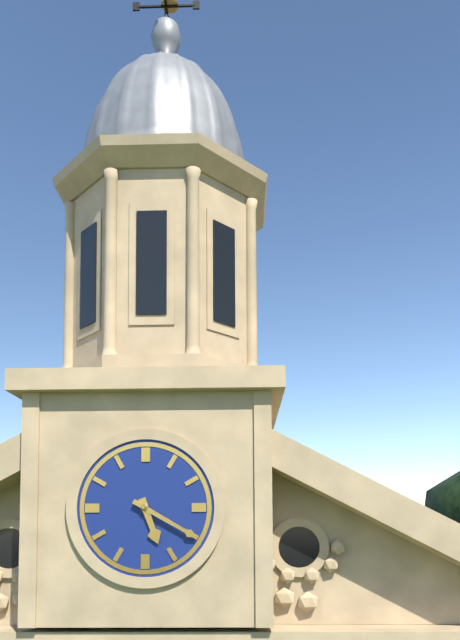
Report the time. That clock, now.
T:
5:20
